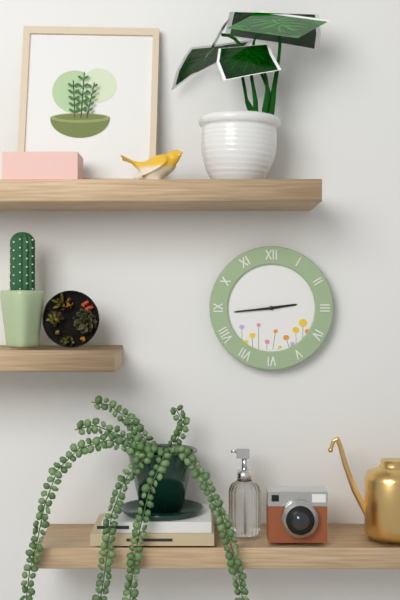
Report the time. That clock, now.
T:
2:44
